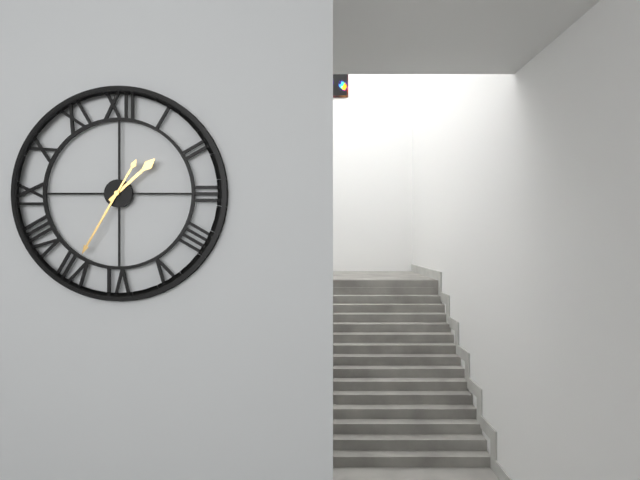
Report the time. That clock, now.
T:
1:35
